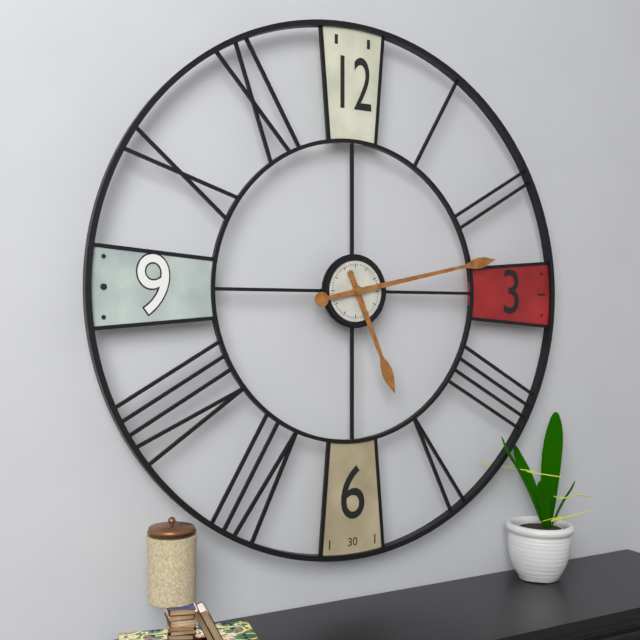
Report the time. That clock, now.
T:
5:13
